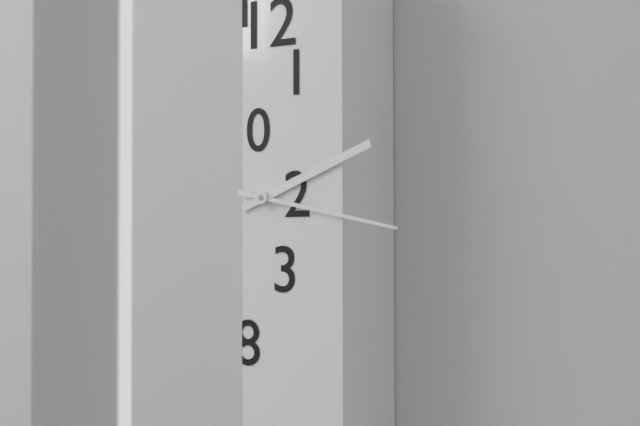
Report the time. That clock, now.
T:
2:17
